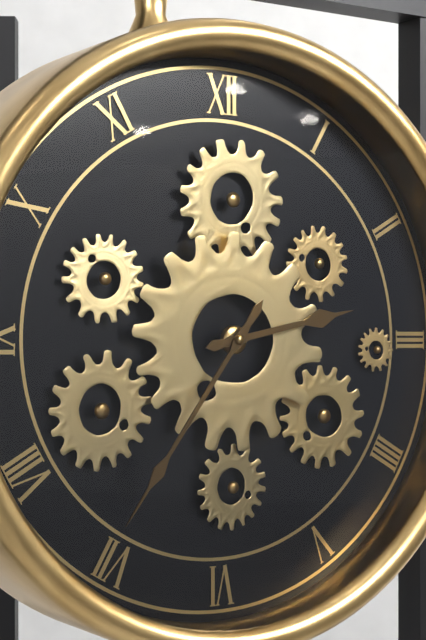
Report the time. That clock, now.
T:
2:36
